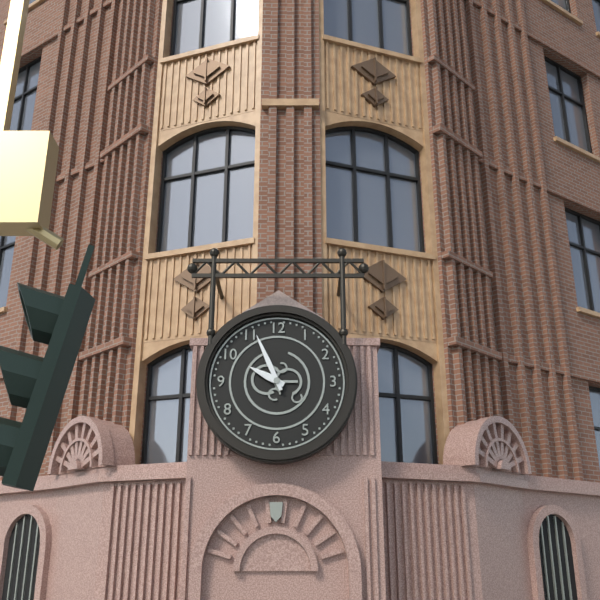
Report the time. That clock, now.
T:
9:56
